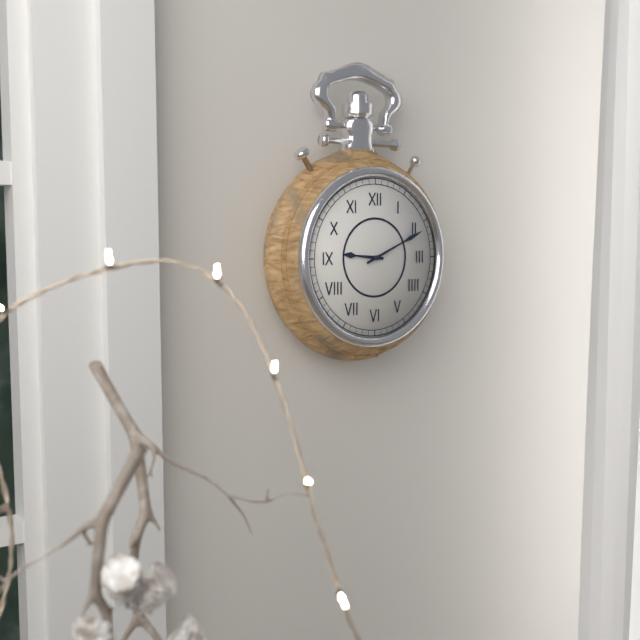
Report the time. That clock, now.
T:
9:11
